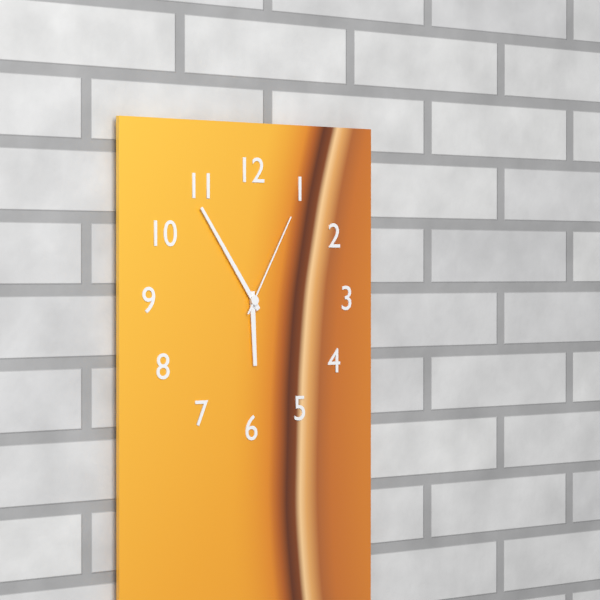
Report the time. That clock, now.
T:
5:54:05
